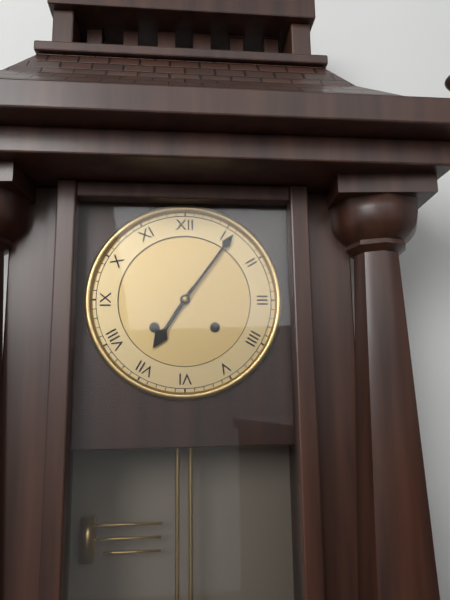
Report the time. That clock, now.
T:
7:06
